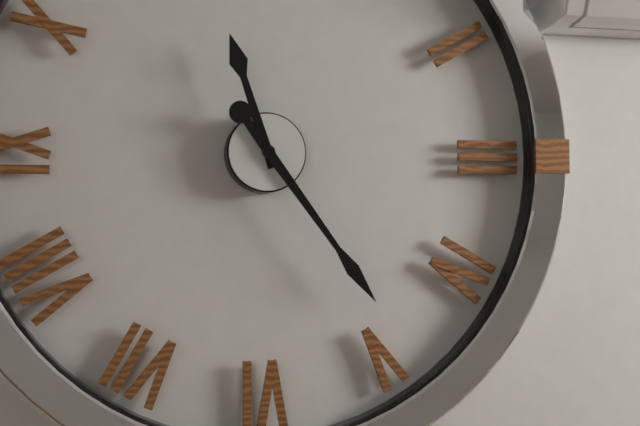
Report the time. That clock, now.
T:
11:24
